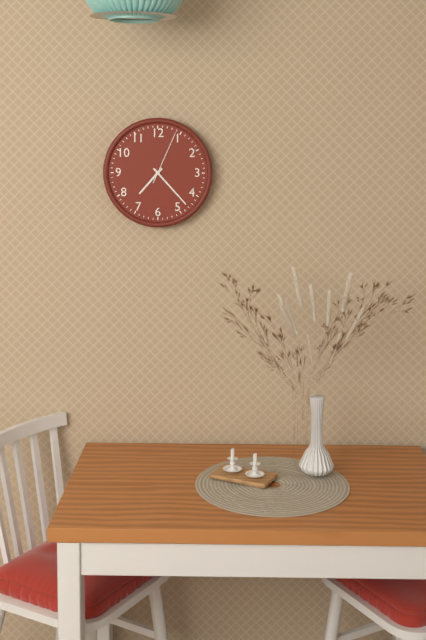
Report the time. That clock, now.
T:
7:23:04
